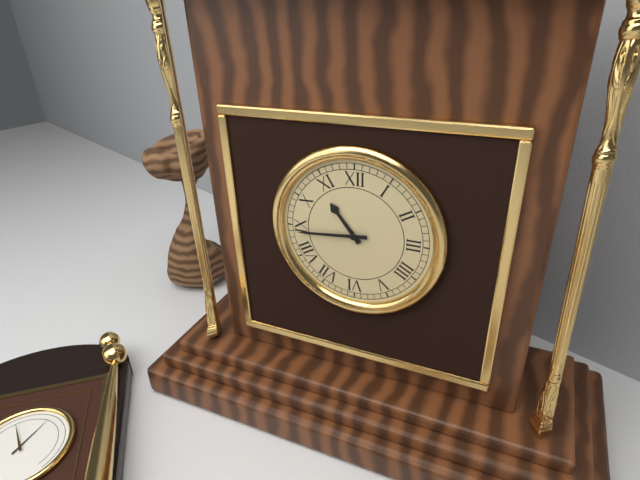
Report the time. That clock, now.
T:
10:44
